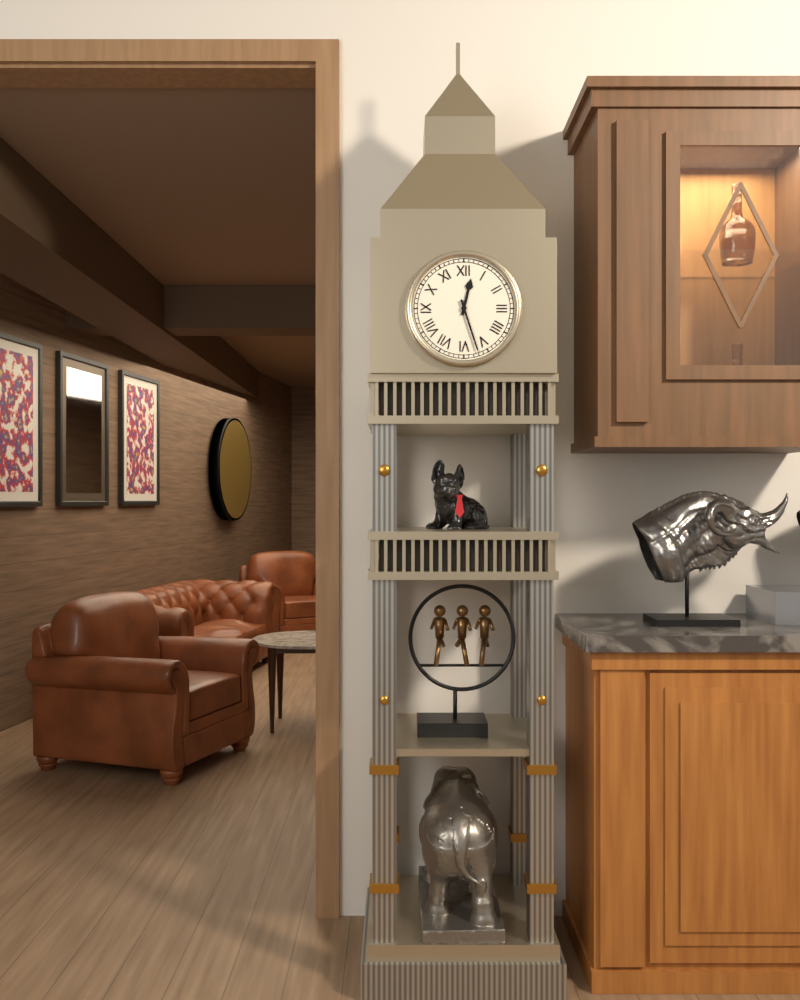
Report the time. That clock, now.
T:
12:27
